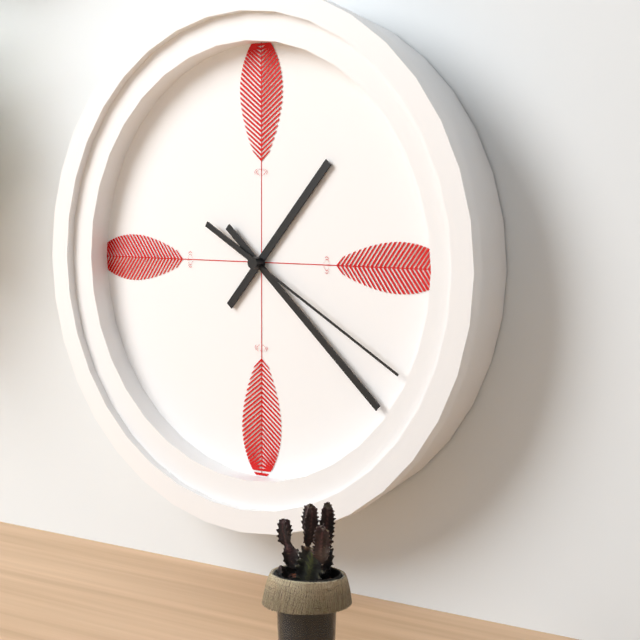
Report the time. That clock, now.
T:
1:22:20
